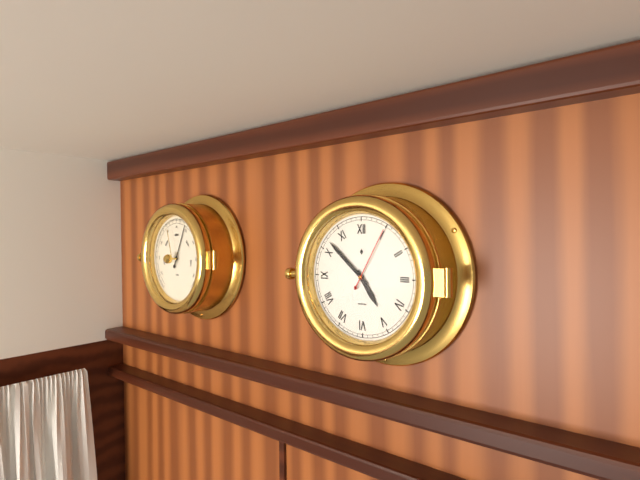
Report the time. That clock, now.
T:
4:52:05
